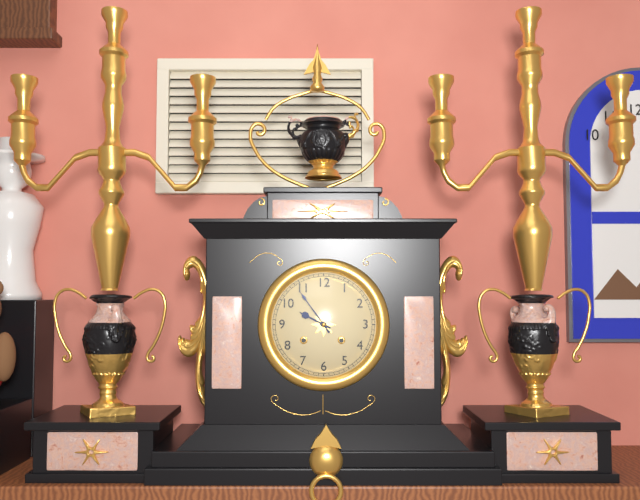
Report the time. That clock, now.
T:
9:54
